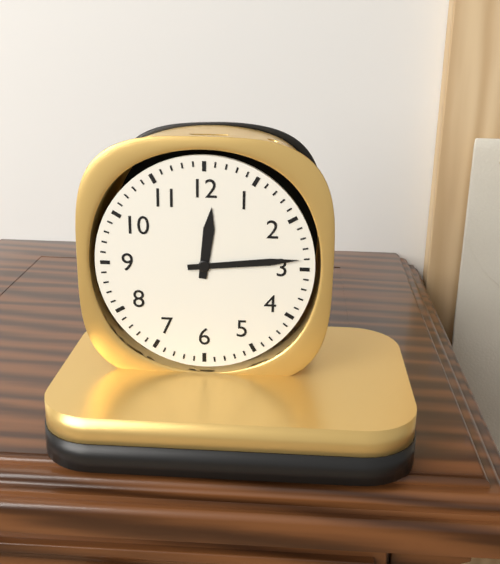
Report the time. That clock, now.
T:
12:14
